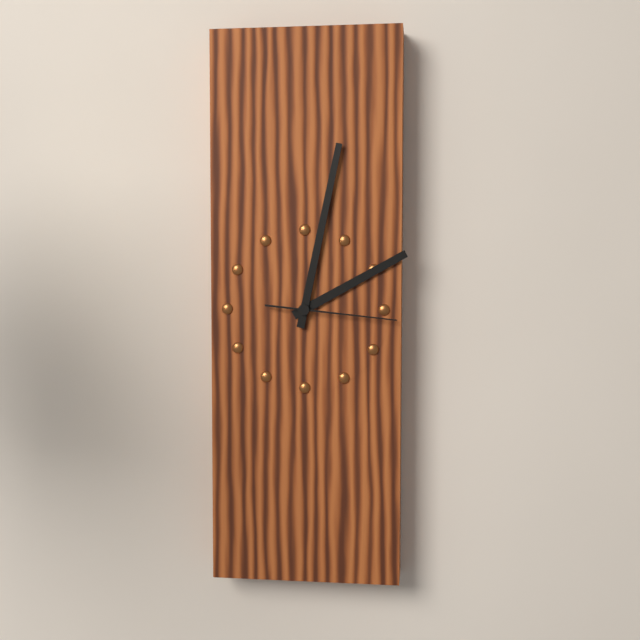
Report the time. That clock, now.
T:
2:02:16
